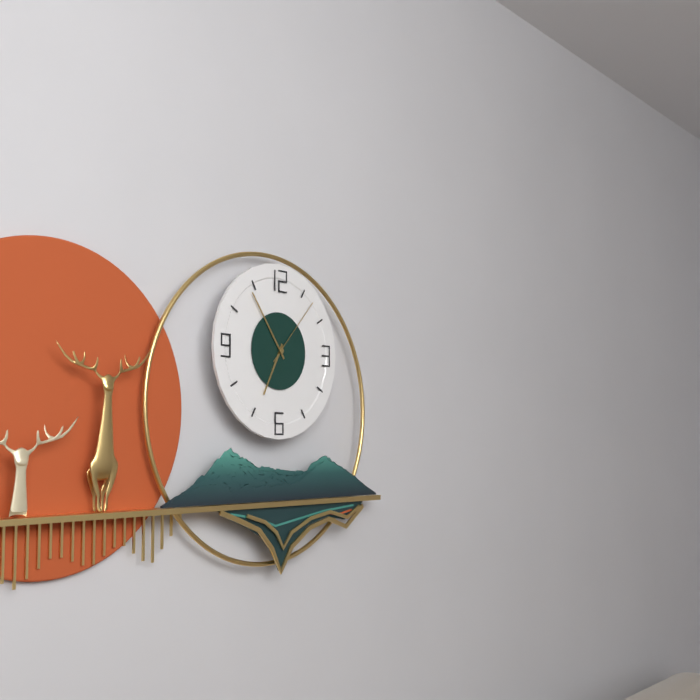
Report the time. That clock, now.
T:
6:54:07
